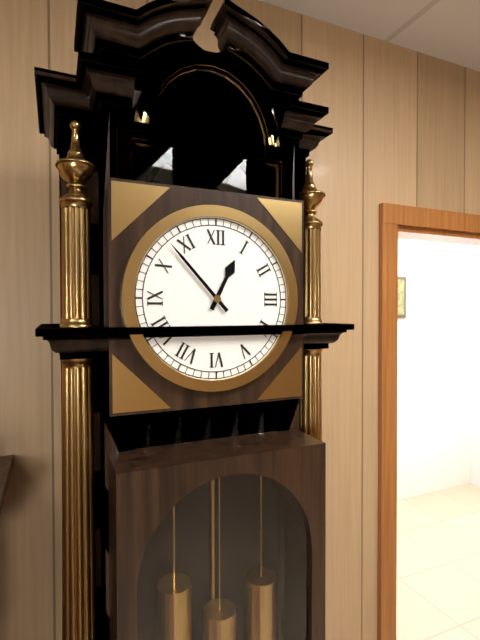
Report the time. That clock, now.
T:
12:53
